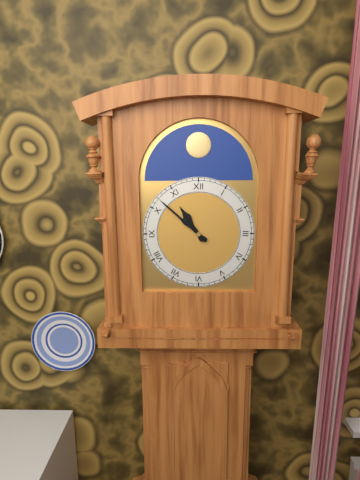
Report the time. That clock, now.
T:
10:52
